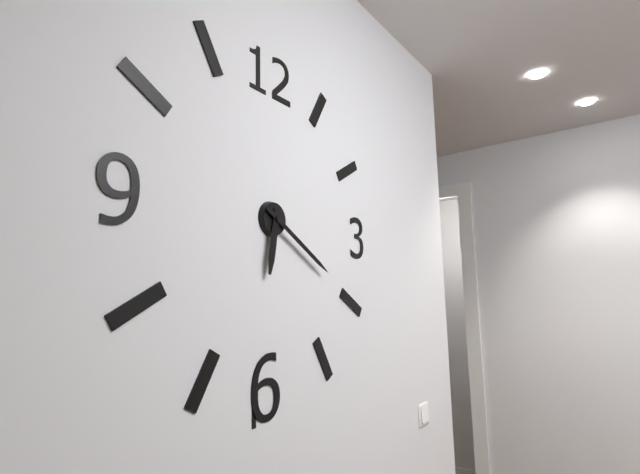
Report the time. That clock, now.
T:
6:20
